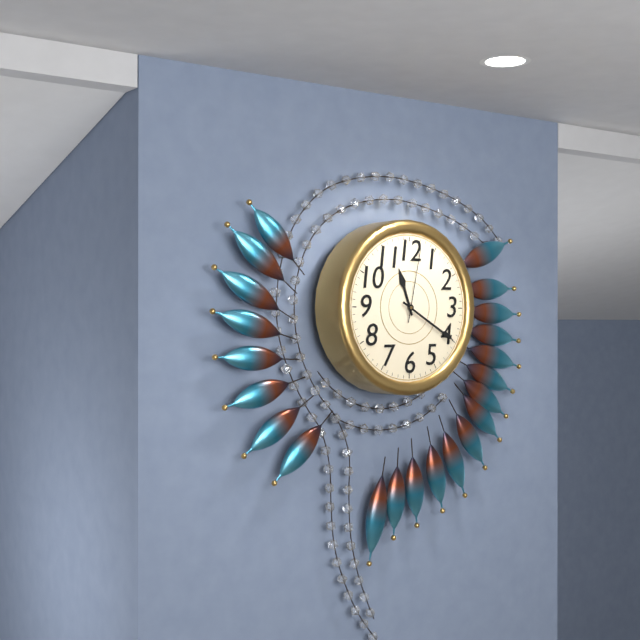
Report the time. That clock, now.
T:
11:20:02
